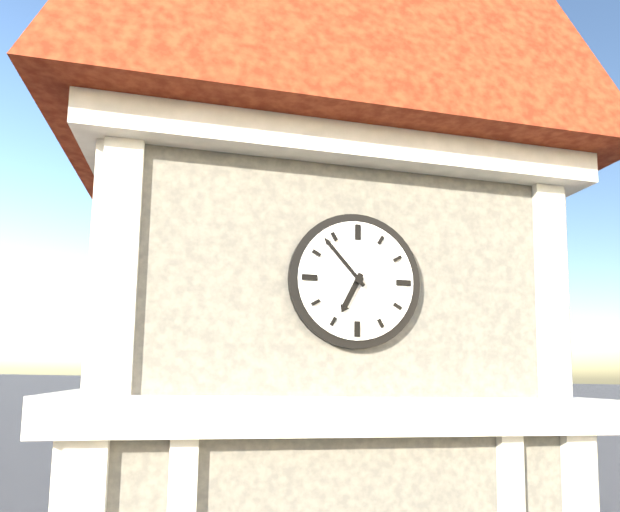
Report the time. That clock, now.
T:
6:53
